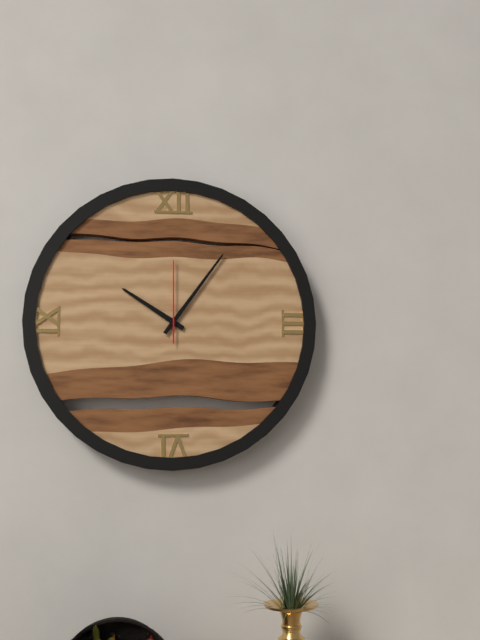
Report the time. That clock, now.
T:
10:06:00
